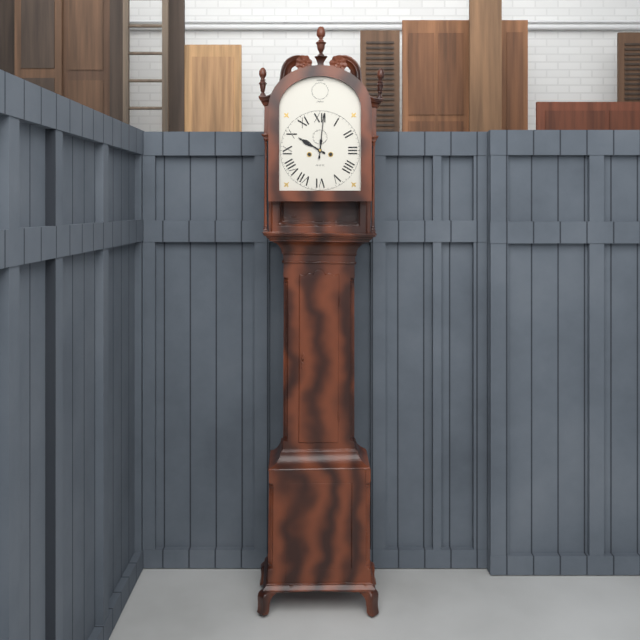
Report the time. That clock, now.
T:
10:01
